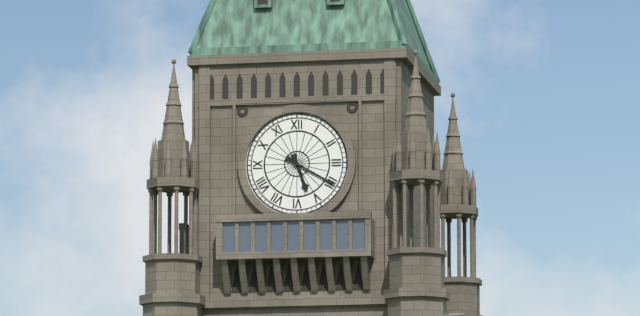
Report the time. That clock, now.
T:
5:20
